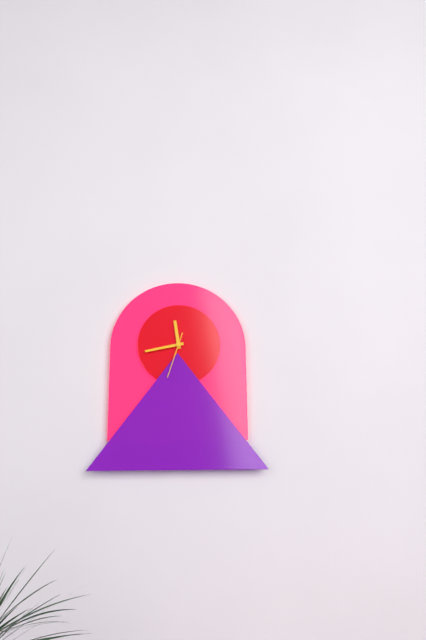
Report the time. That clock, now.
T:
11:43
